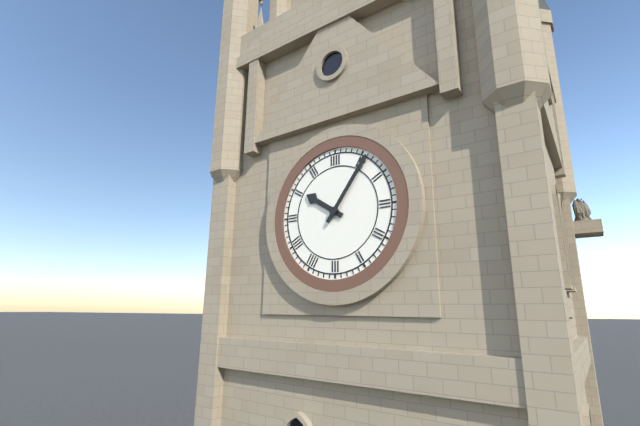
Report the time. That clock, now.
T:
10:06
